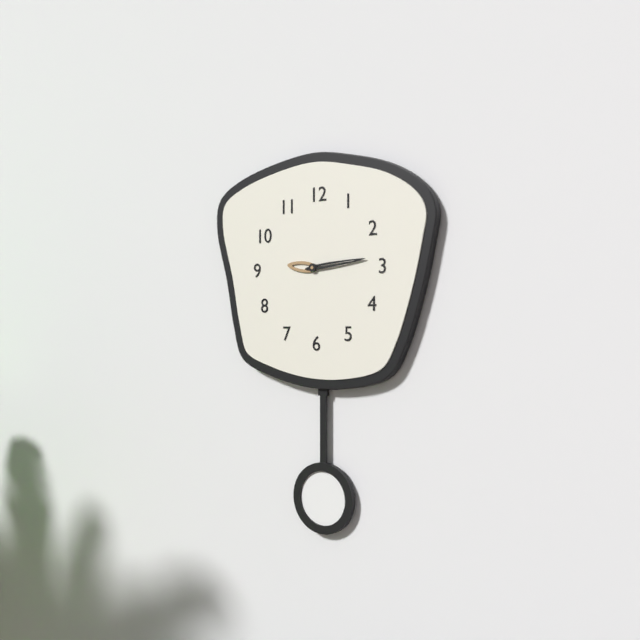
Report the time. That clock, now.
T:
9:14
